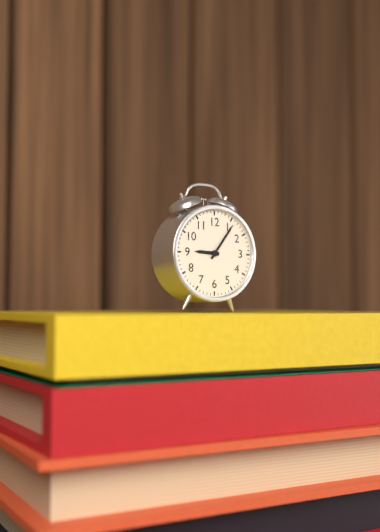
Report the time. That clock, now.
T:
9:06
